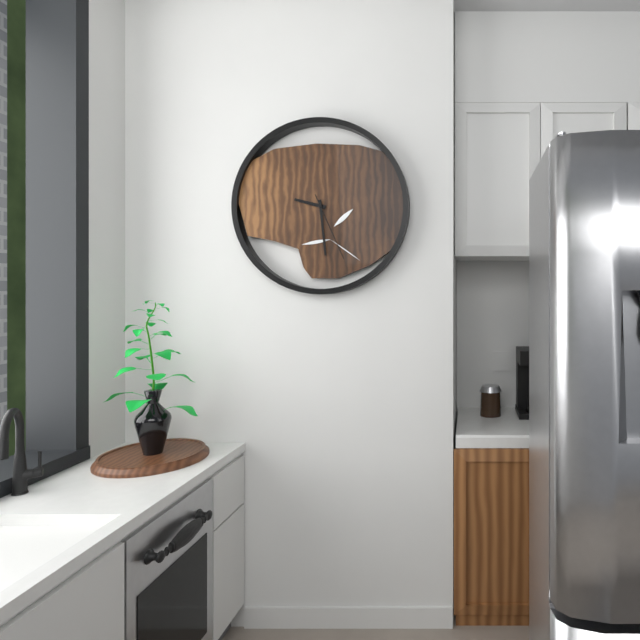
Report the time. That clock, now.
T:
9:29:26
